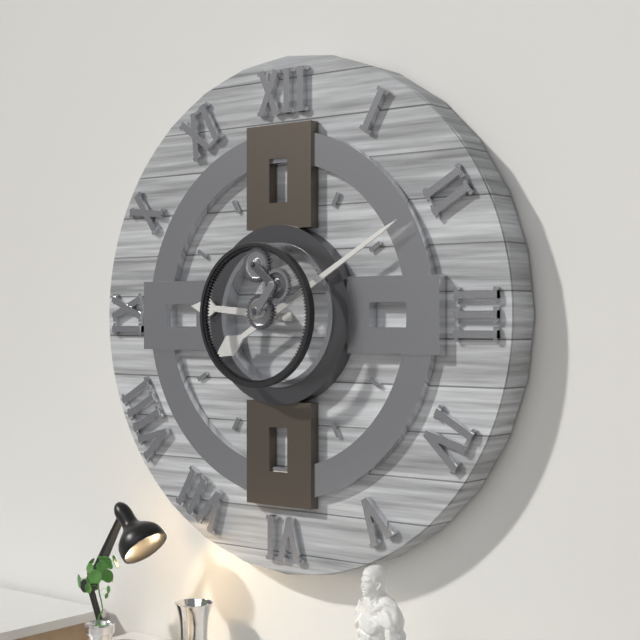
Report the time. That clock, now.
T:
9:10
